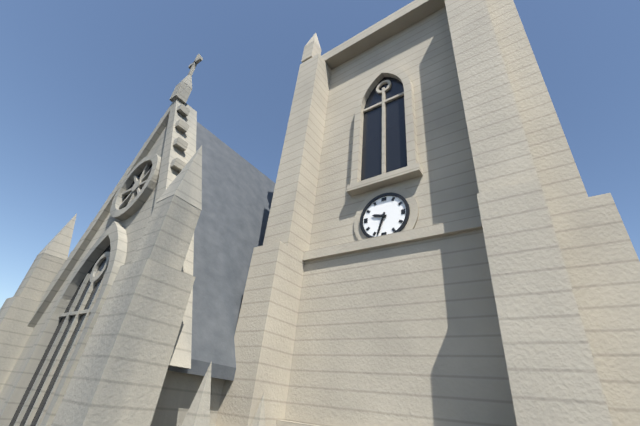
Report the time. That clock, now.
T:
9:33
